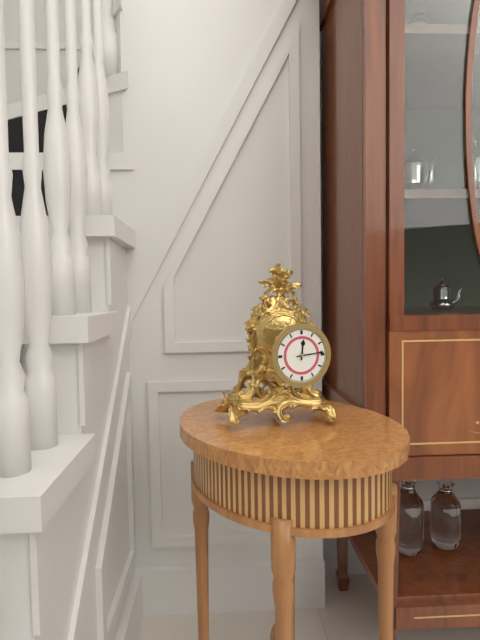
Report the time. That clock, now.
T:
12:14
